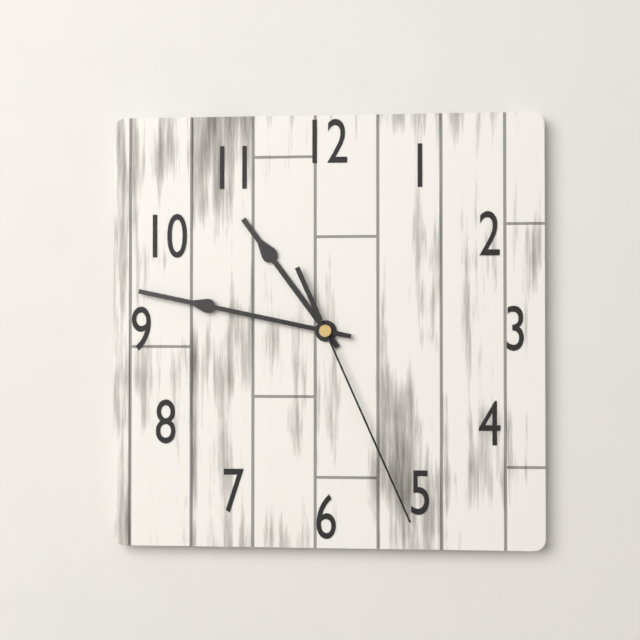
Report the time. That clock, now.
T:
10:47:26
